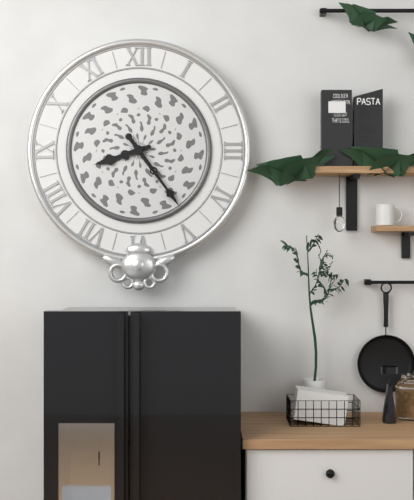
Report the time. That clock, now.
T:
8:24
